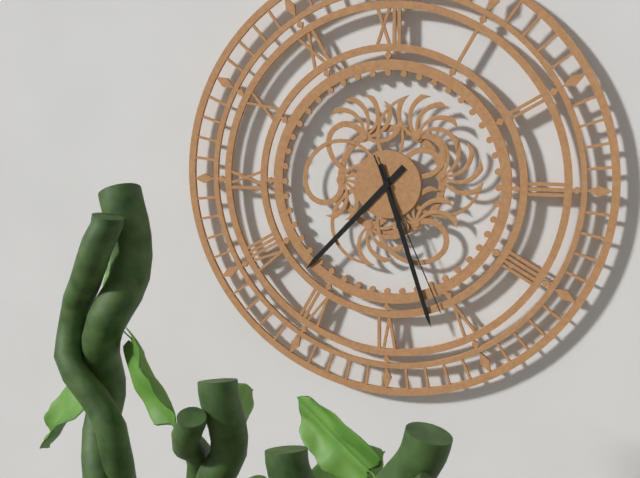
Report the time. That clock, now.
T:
7:27:26
